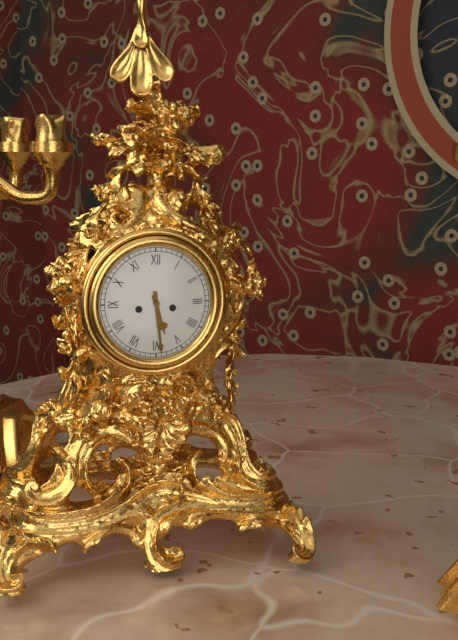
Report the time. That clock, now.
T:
5:29
